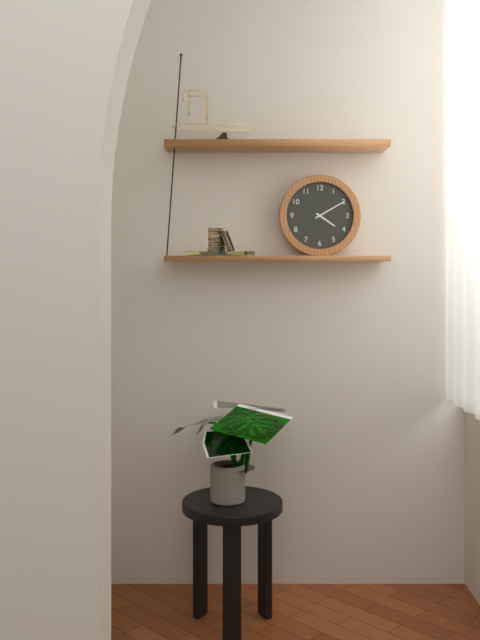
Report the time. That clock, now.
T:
4:10
